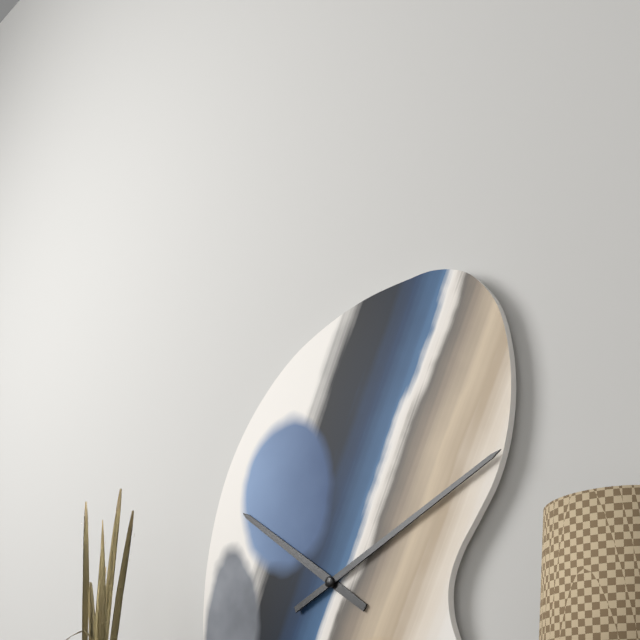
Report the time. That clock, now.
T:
10:11
